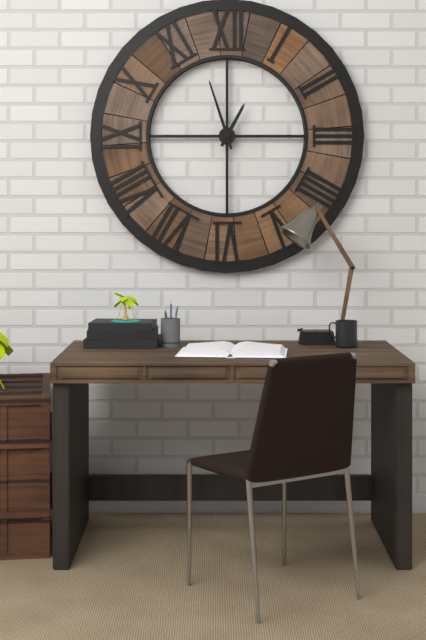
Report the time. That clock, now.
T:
12:57
